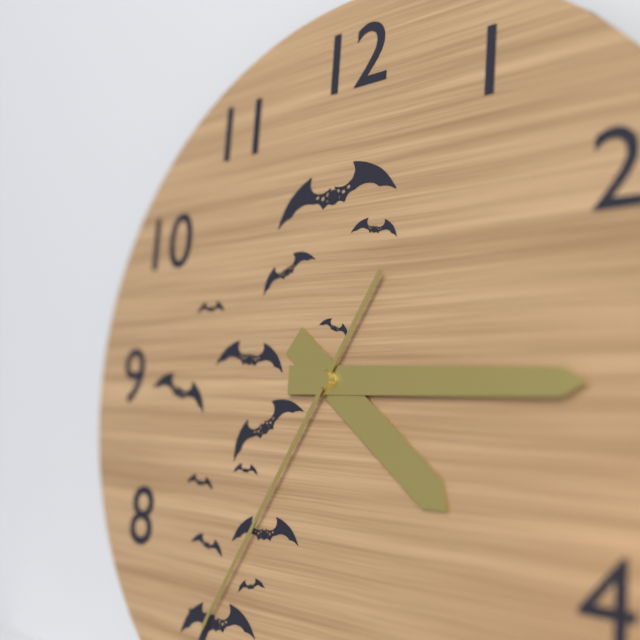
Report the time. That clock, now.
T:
4:15:35
